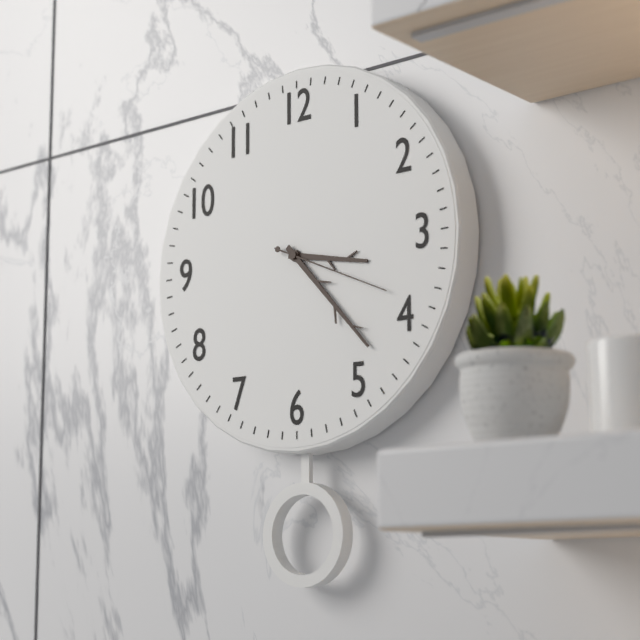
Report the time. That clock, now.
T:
3:23:19
